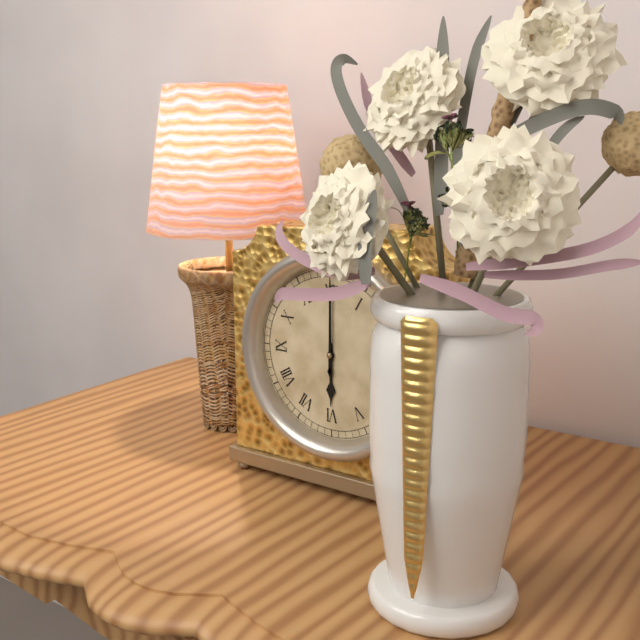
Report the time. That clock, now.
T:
6:00
